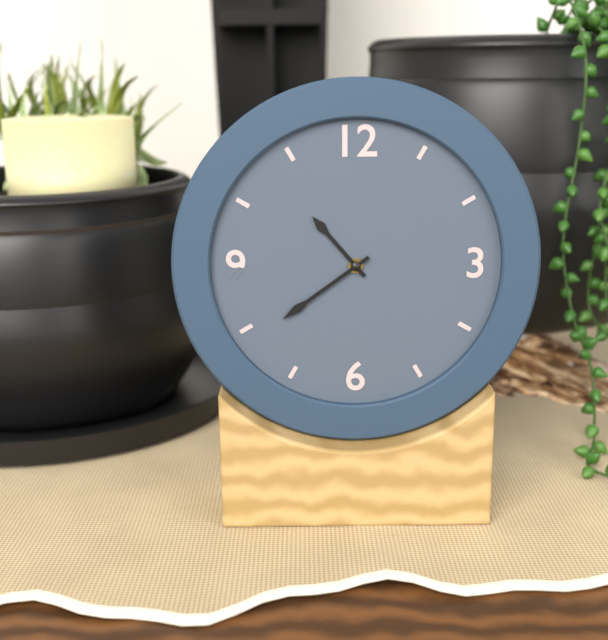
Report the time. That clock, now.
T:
10:39
